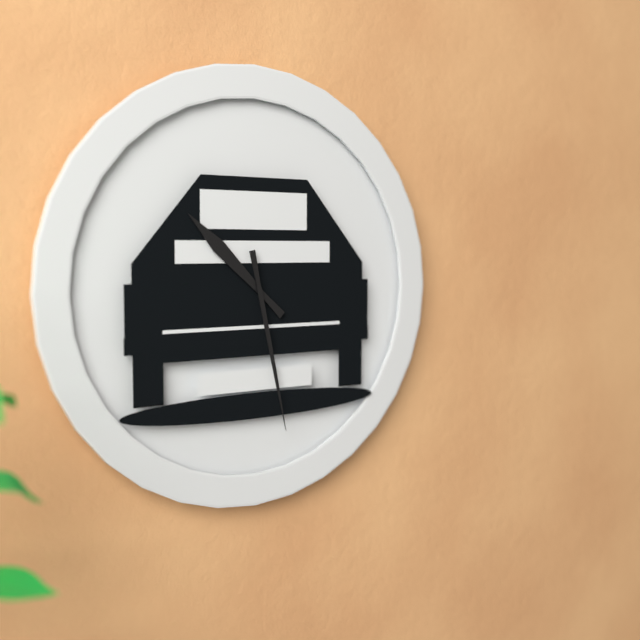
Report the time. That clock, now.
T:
10:28
